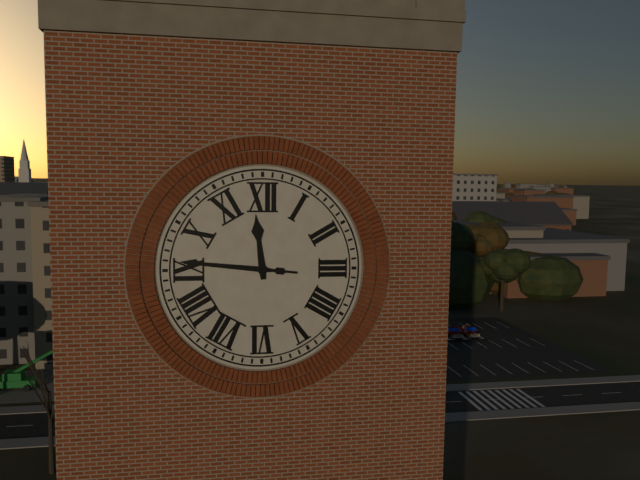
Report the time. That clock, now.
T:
11:46
